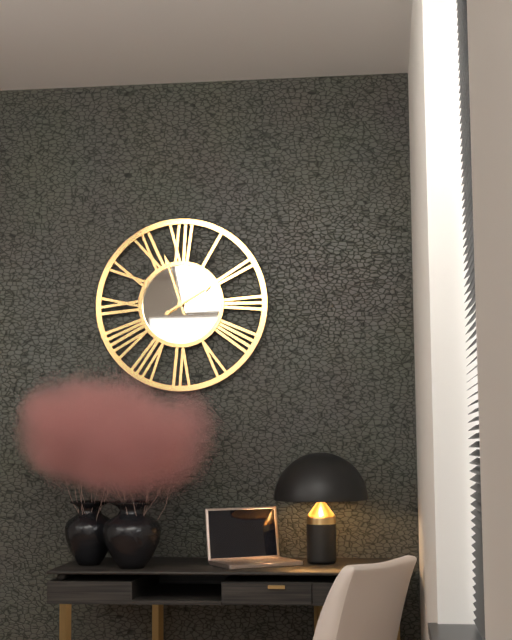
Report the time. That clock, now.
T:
1:57
